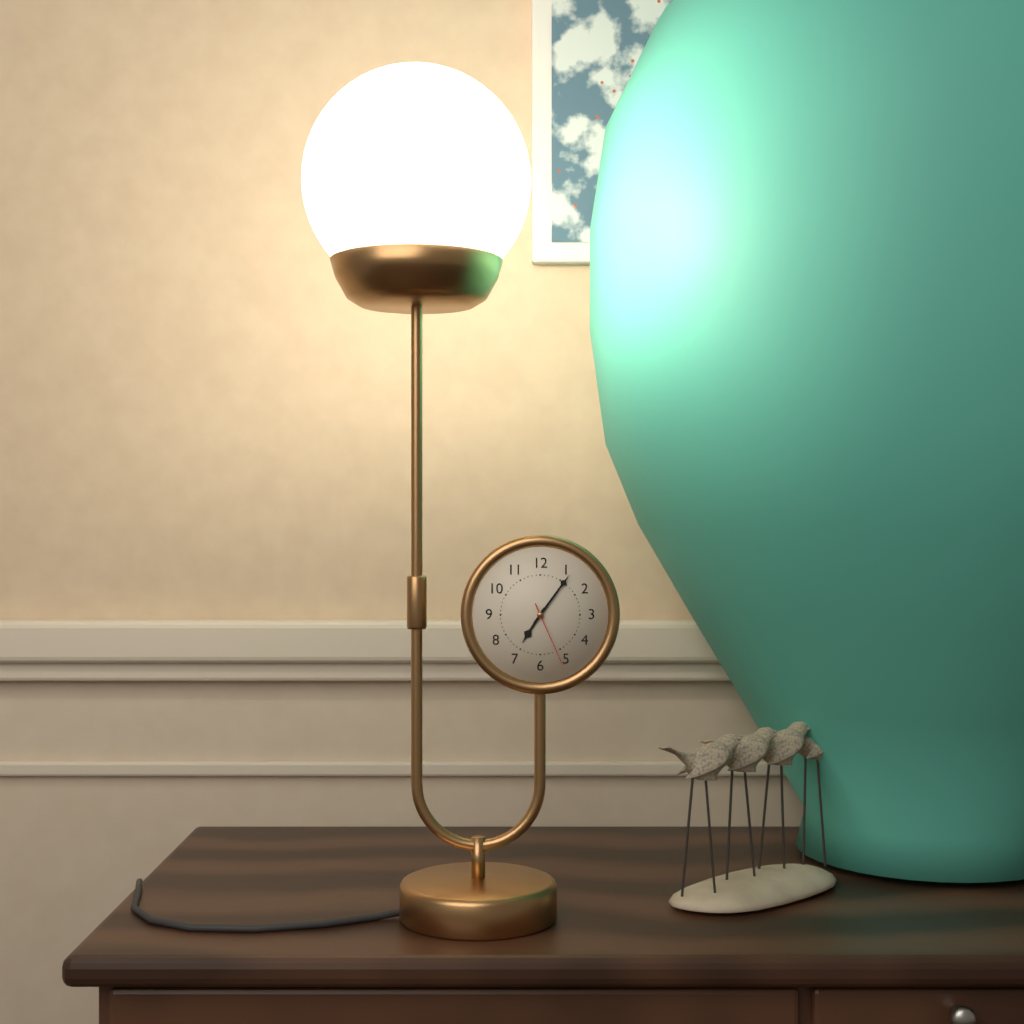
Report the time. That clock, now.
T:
7:06:26
